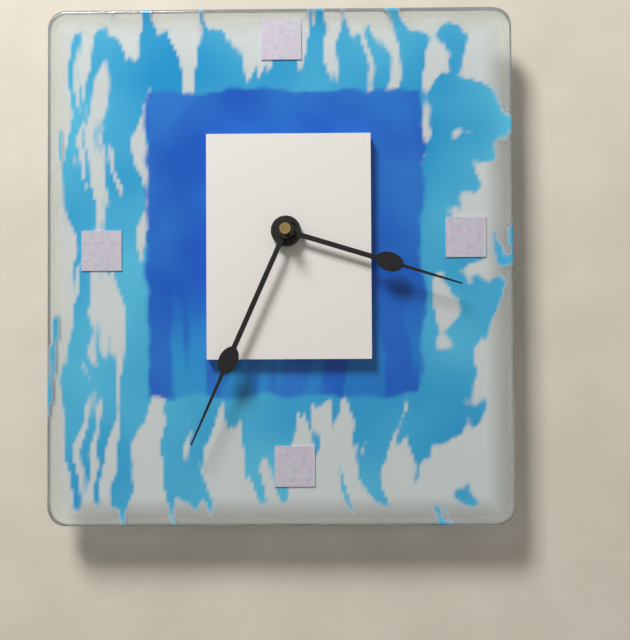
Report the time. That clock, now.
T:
3:34
